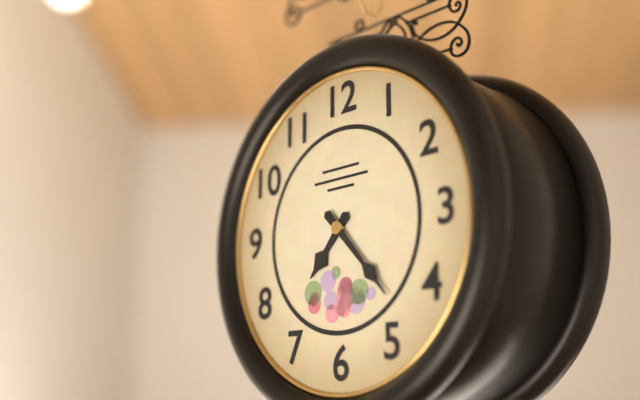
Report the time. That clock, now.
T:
7:23
